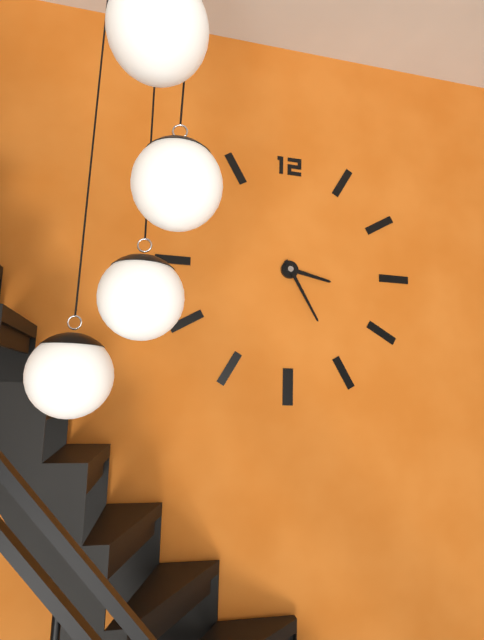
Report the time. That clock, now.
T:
3:25
